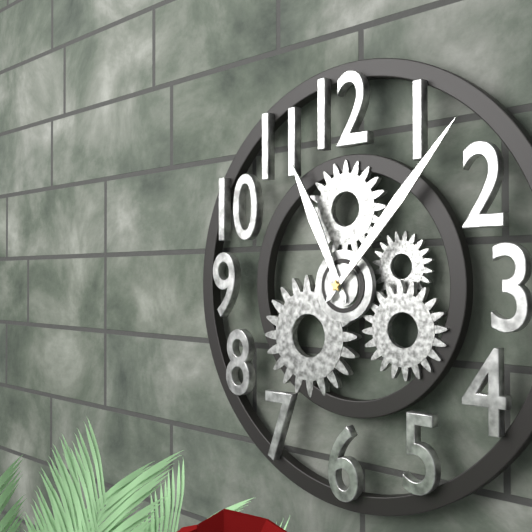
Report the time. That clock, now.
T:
11:07
